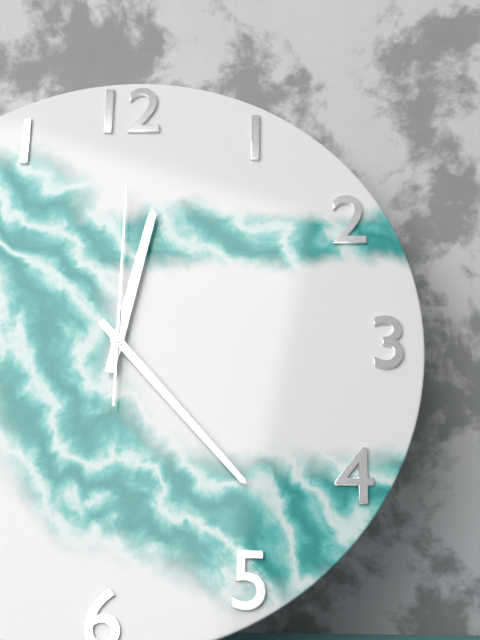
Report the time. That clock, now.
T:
12:23:00
